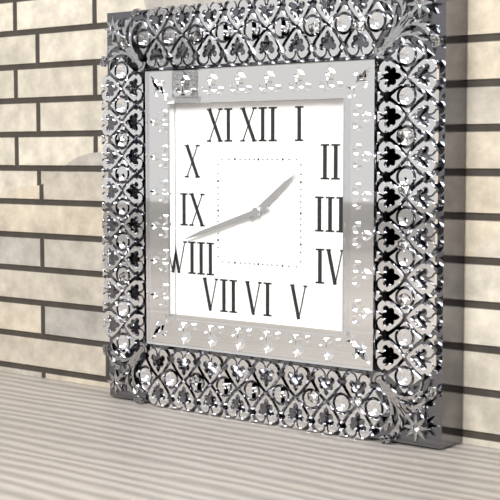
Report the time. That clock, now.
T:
1:42
